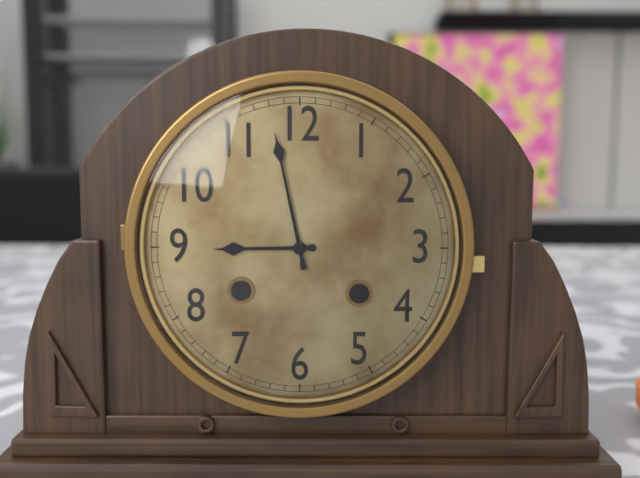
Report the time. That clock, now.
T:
8:58
